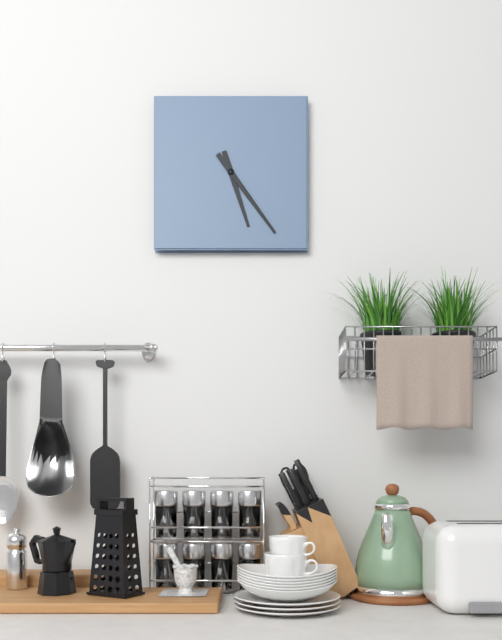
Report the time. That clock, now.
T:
5:24
